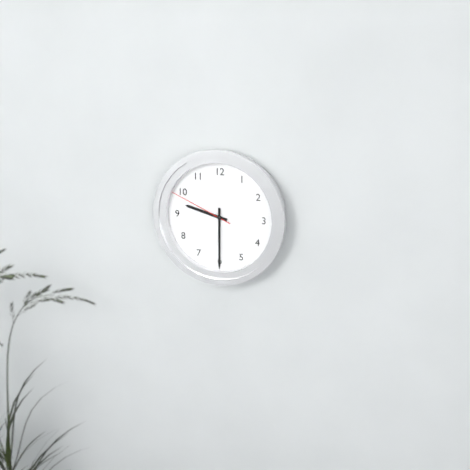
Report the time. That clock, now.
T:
9:30:49
